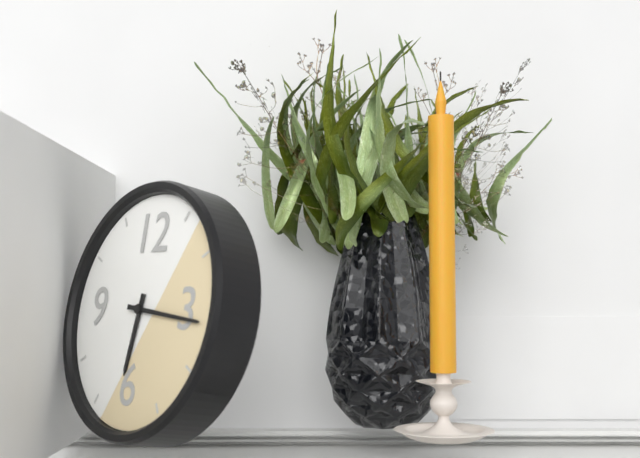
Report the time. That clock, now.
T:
6:16
